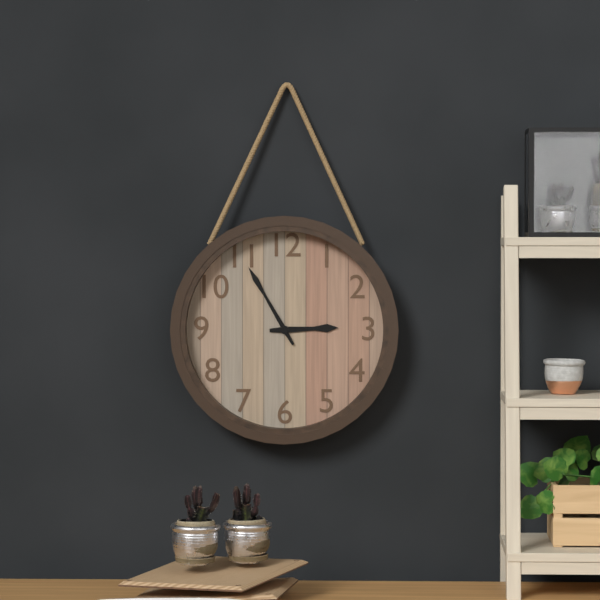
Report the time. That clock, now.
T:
2:55
